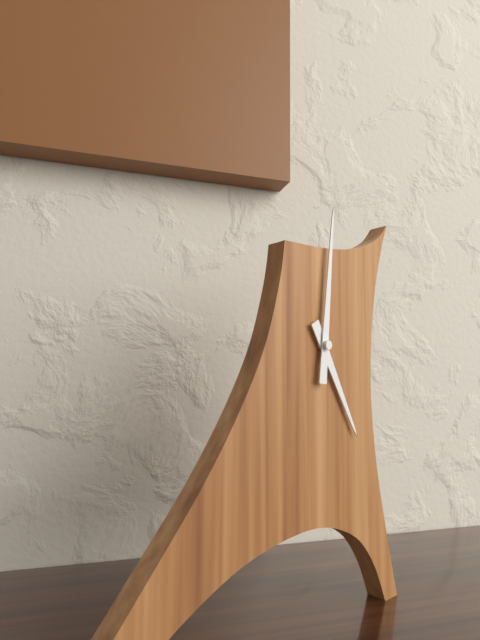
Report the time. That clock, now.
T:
5:01
